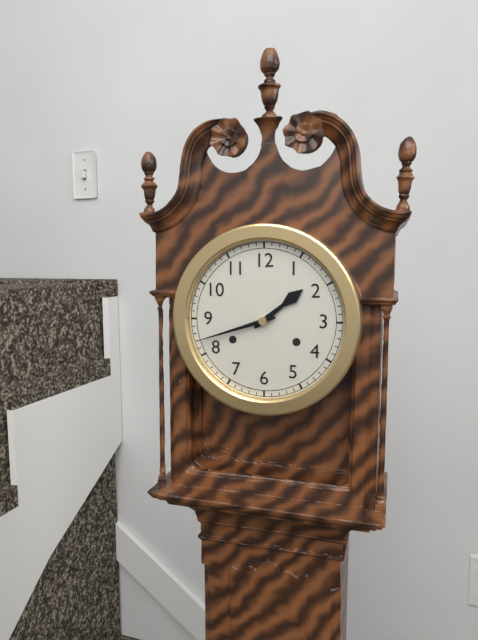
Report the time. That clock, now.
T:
1:42
